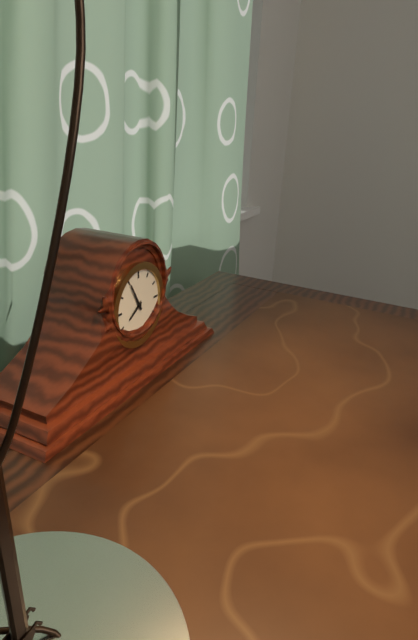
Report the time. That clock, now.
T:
7:55
